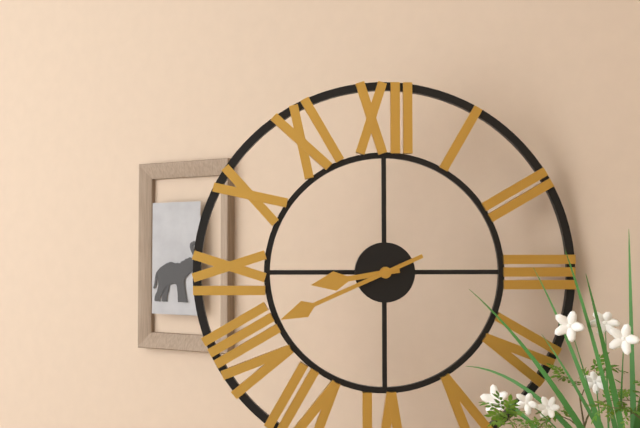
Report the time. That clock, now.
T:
8:41
